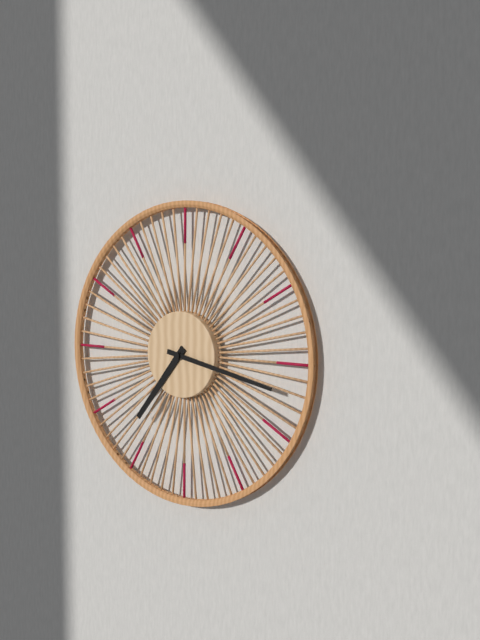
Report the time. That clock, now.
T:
7:17
